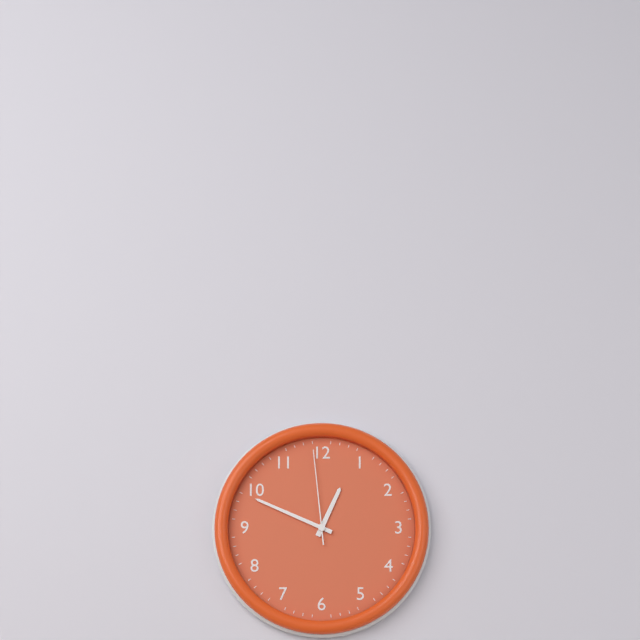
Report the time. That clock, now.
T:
12:49:59
